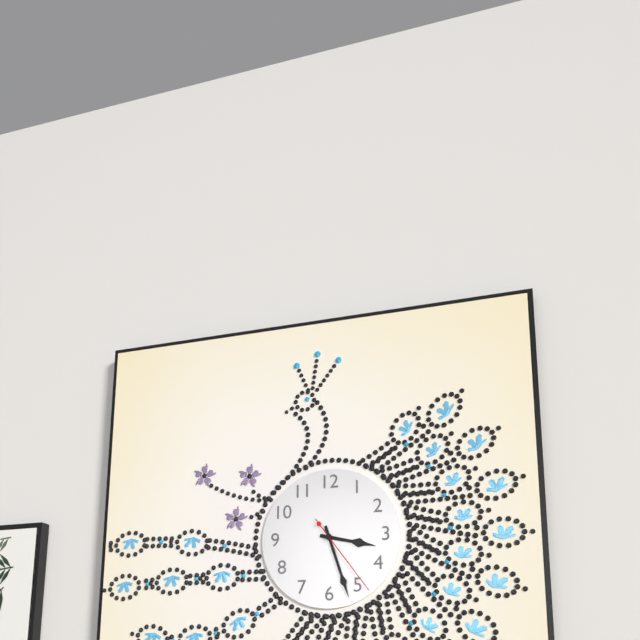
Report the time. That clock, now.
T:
3:27:24
